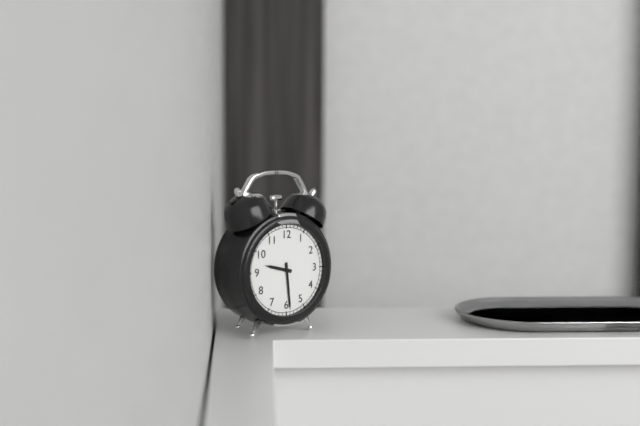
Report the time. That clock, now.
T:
9:29
